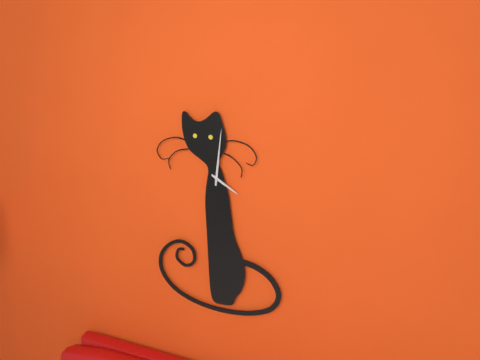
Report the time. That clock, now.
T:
4:01
